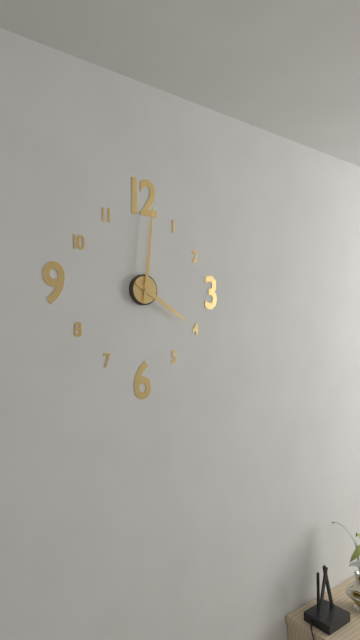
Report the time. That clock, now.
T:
4:01
